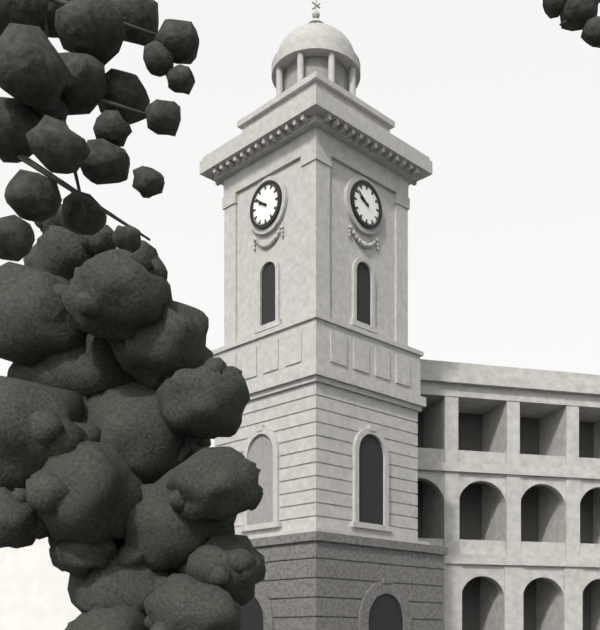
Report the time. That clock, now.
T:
9:51
